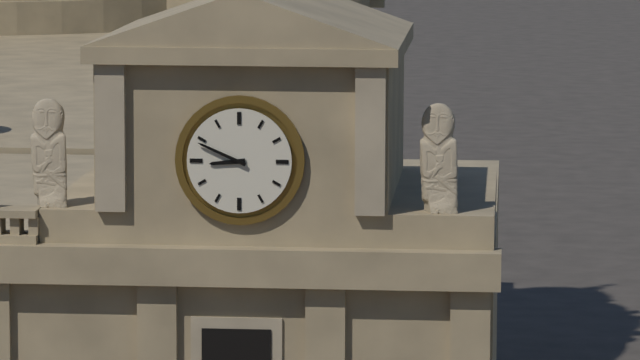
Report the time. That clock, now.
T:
8:49
